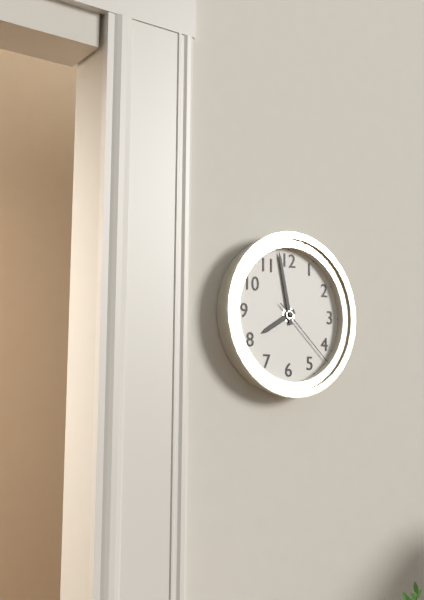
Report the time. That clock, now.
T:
7:58:22
